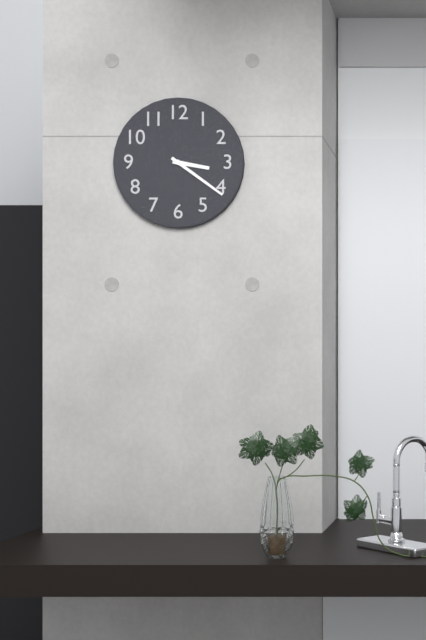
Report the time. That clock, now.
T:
3:21
